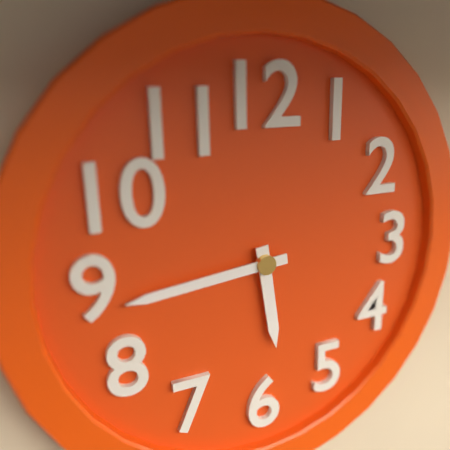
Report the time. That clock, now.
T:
5:44
